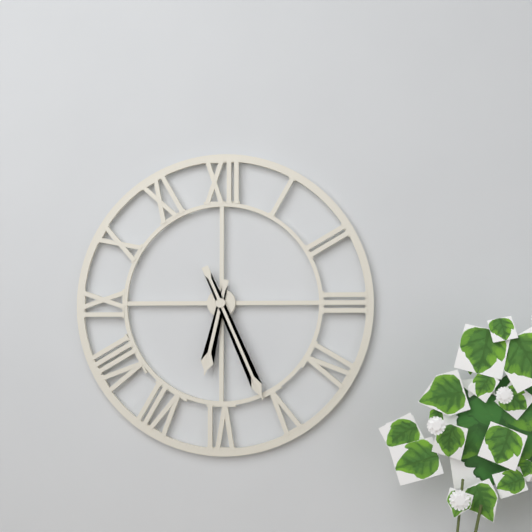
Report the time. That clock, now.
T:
6:26
